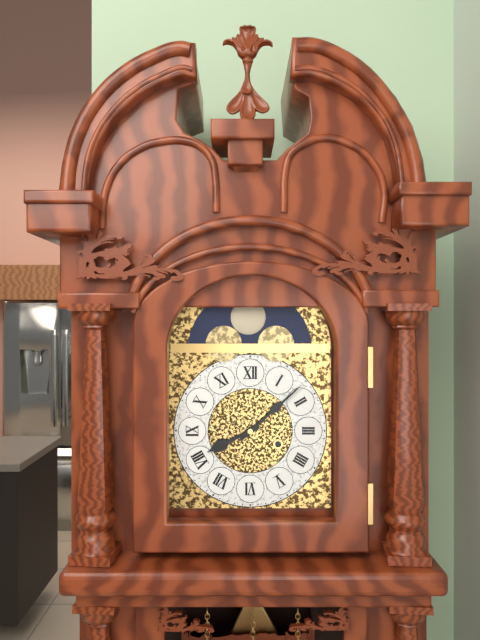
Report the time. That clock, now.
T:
8:08
